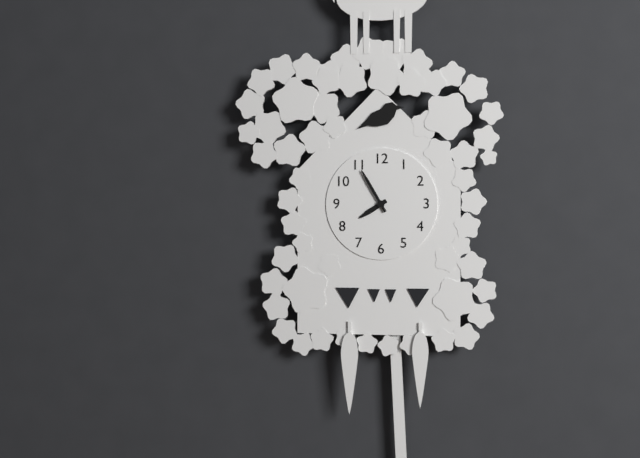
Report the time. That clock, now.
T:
7:55
